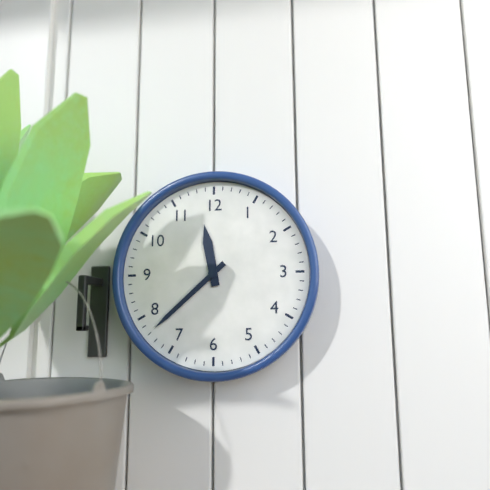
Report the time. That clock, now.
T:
11:38
